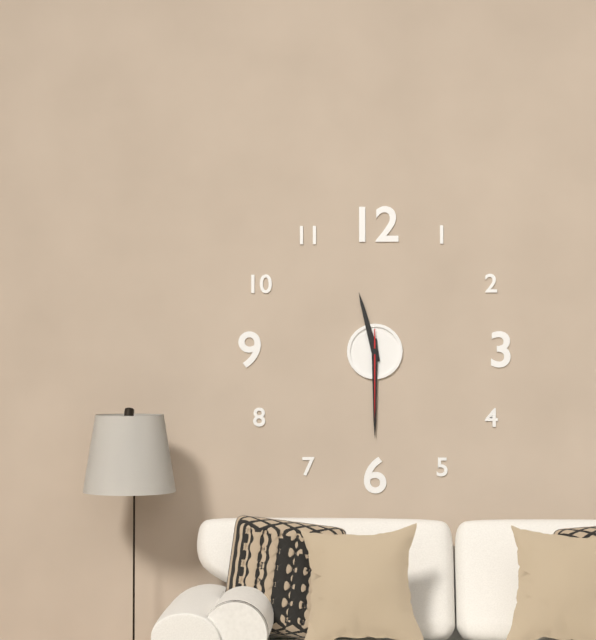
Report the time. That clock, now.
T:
11:30:30
